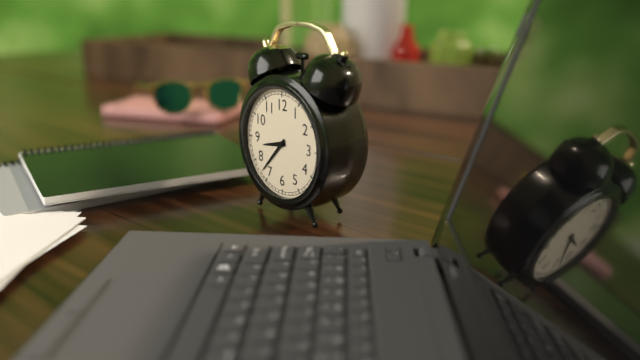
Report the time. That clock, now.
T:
8:37
